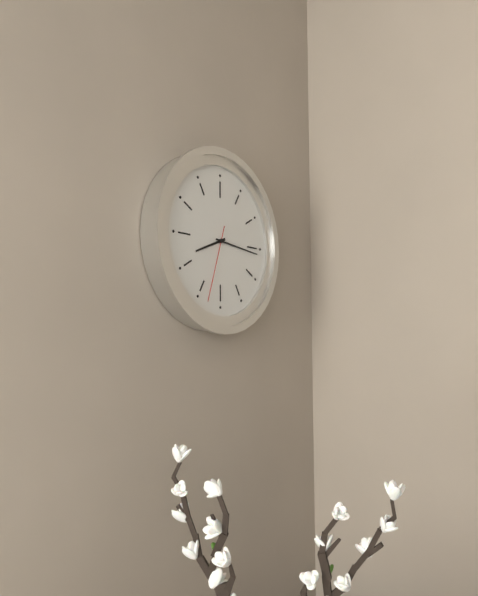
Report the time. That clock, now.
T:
8:16:33
